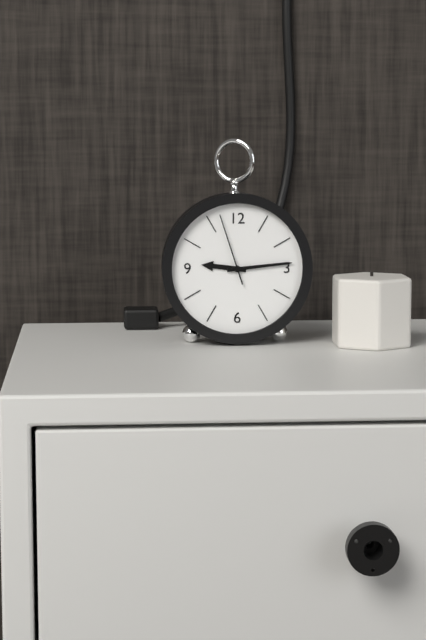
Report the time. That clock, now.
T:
9:14:57
